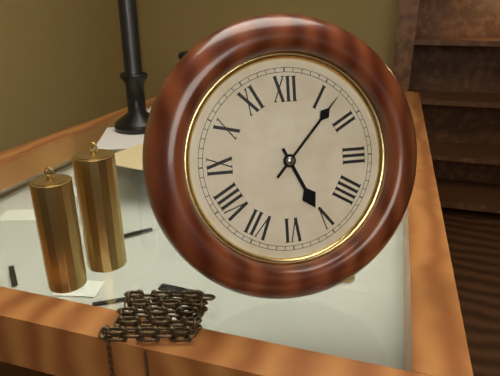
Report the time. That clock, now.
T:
5:07
